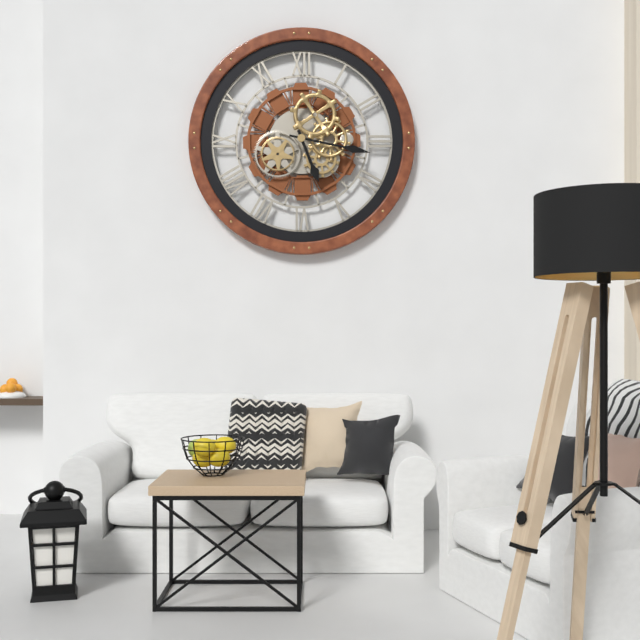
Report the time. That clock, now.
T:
5:17
